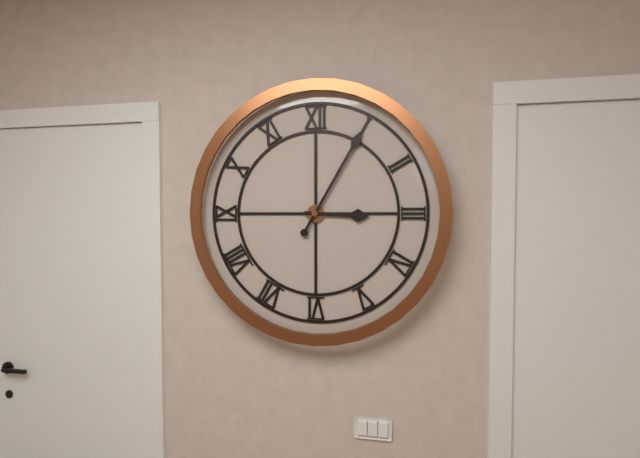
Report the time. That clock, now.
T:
3:05
